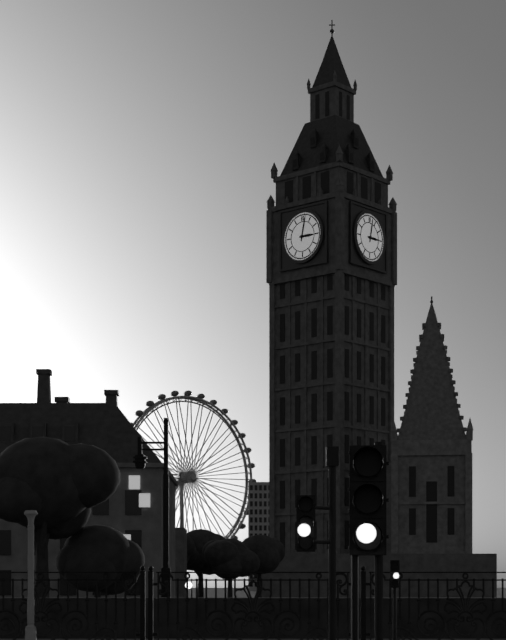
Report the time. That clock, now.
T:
3:02
